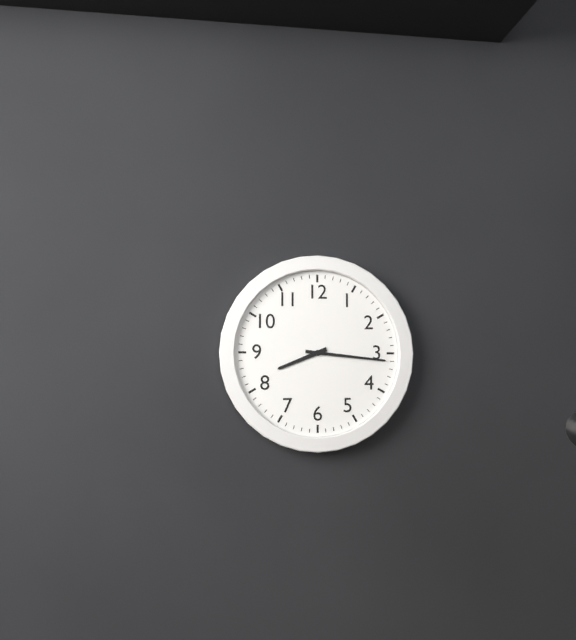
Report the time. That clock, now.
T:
8:16
